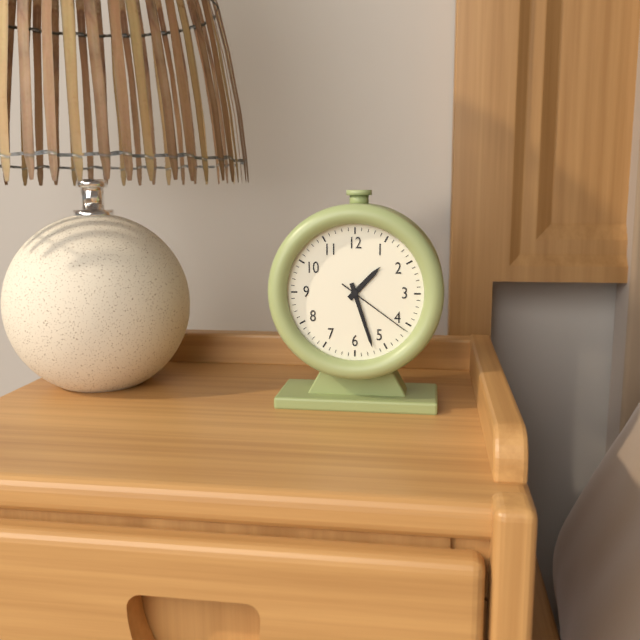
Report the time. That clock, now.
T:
1:27:21
